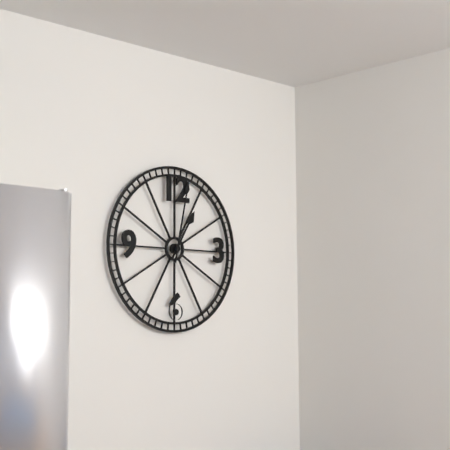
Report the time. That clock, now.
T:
1:02
